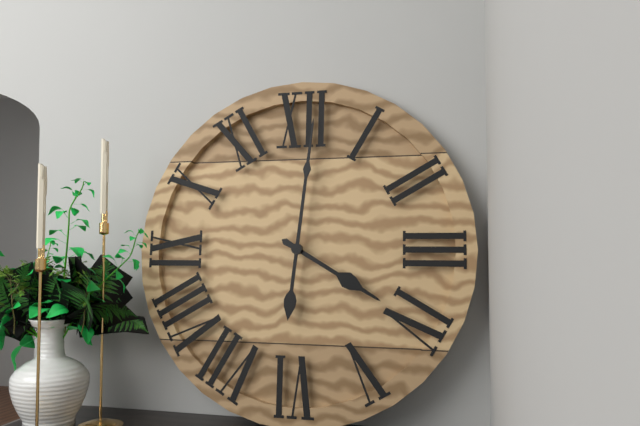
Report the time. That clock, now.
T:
4:01
